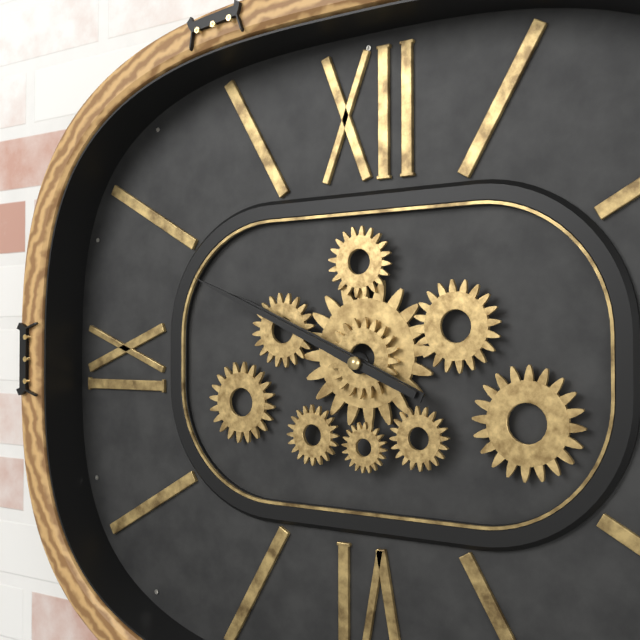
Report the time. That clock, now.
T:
9:49
